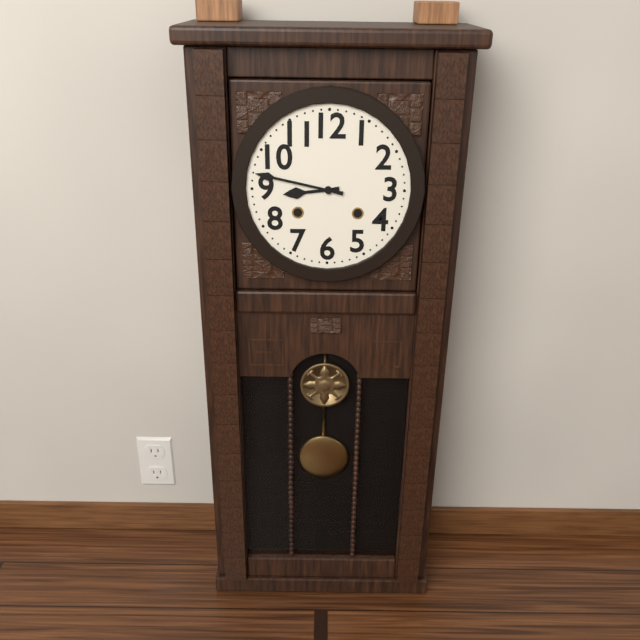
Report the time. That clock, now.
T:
8:47
